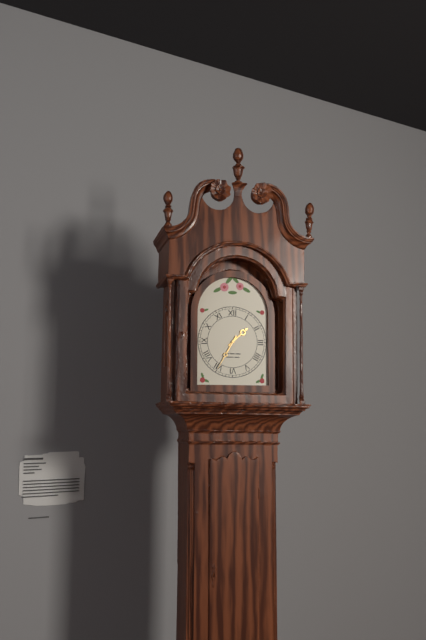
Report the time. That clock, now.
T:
1:35
